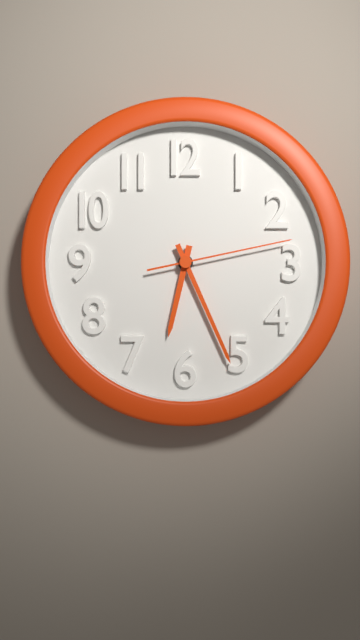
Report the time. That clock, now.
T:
6:26:13
